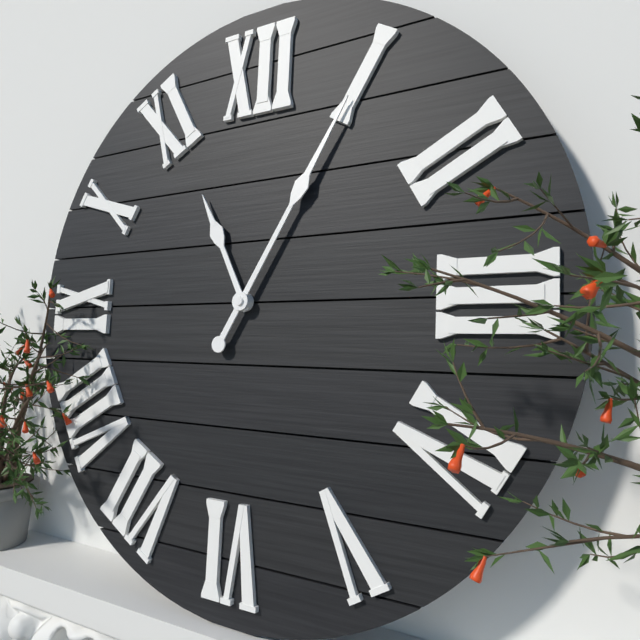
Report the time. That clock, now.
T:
11:05
